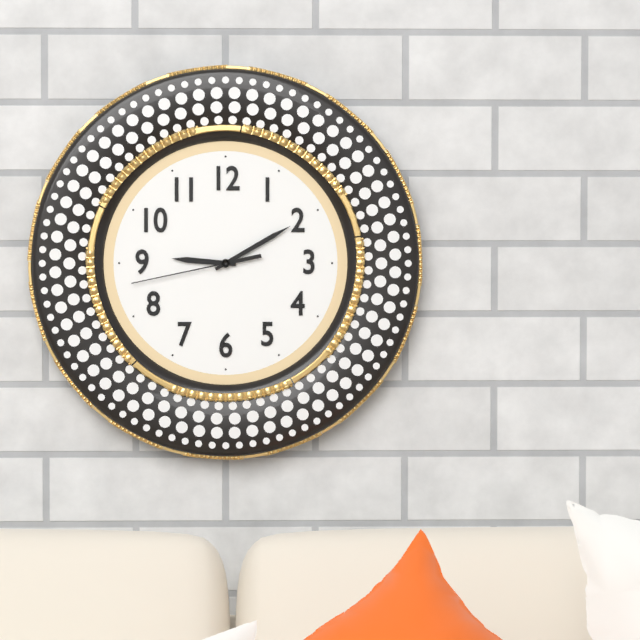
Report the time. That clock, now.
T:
9:10:43
